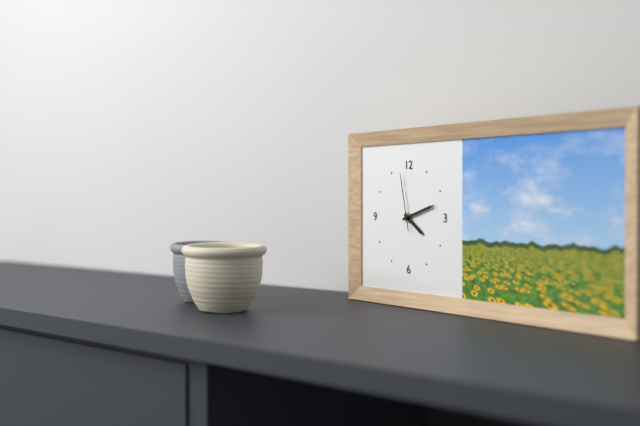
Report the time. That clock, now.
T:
4:12:58
